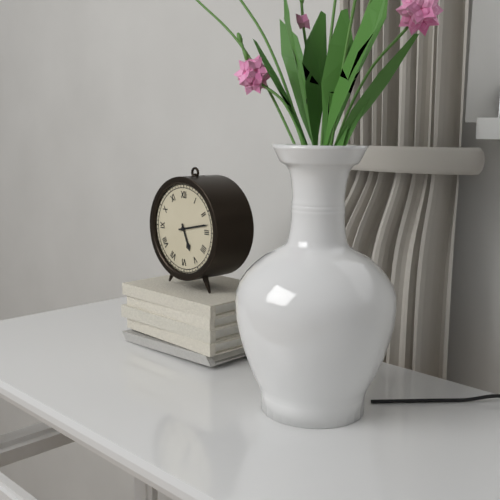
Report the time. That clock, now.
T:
5:13
